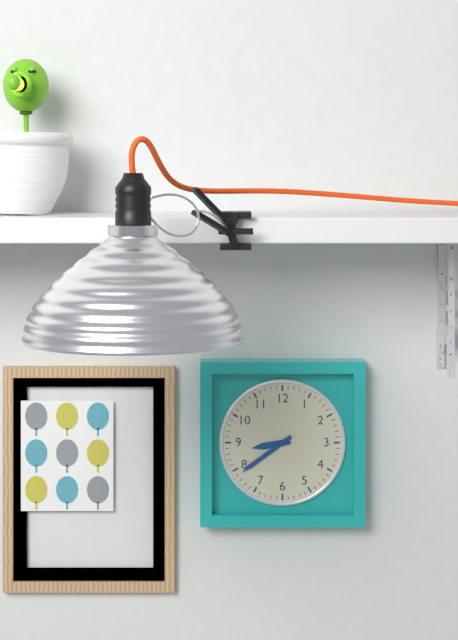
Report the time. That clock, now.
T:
8:39
